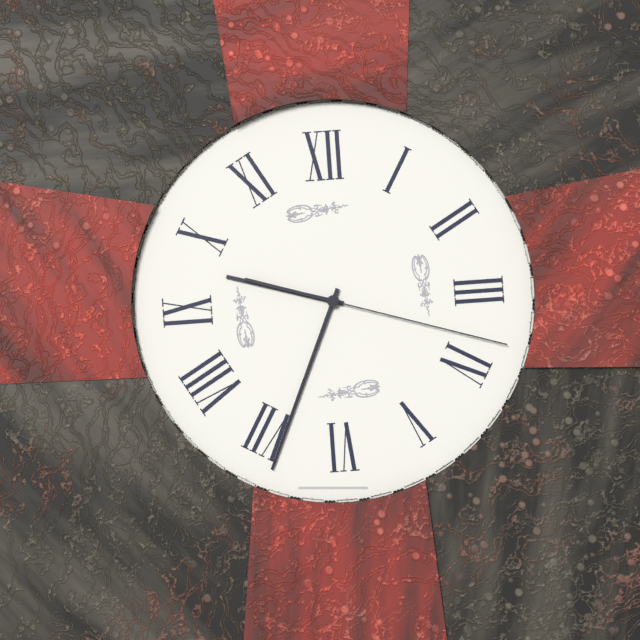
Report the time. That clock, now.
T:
9:34:18
